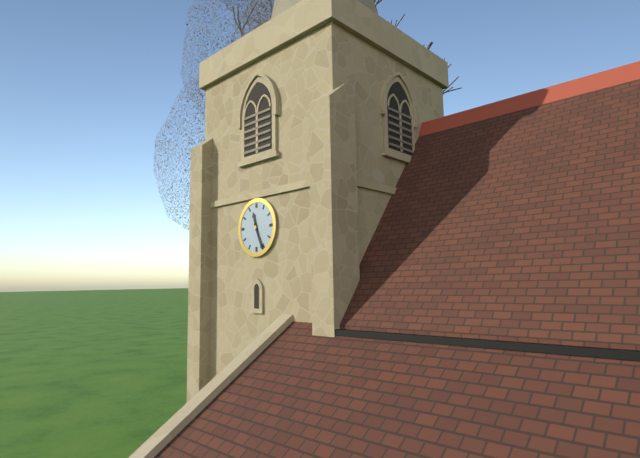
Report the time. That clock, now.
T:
11:26
